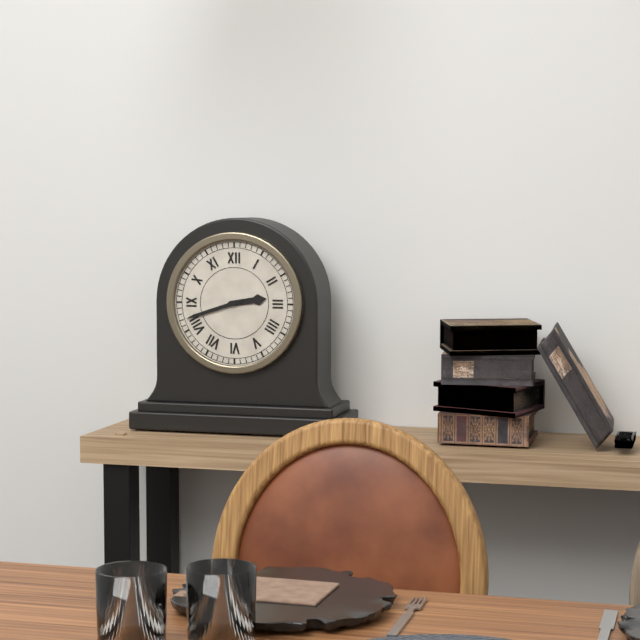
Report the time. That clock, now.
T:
2:42
